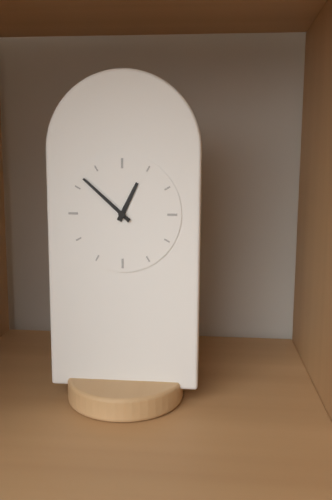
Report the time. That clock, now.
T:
12:52
